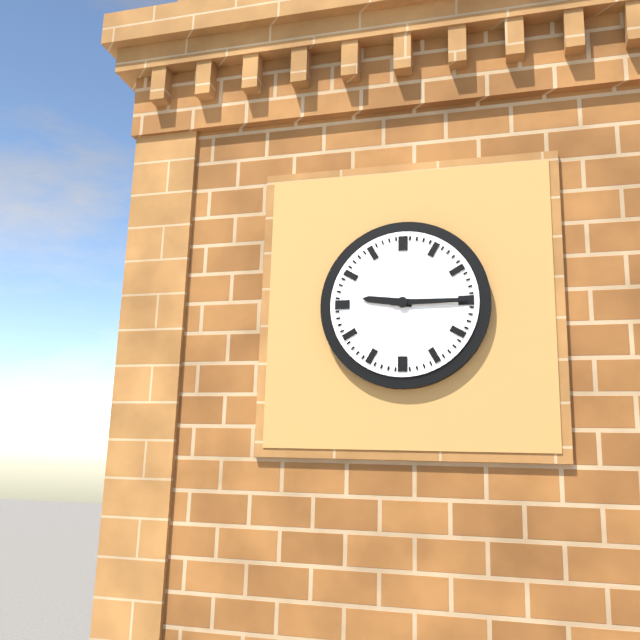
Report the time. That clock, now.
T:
9:15
